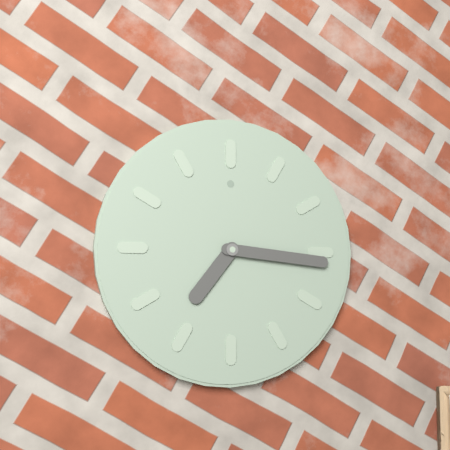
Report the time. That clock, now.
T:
7:16
